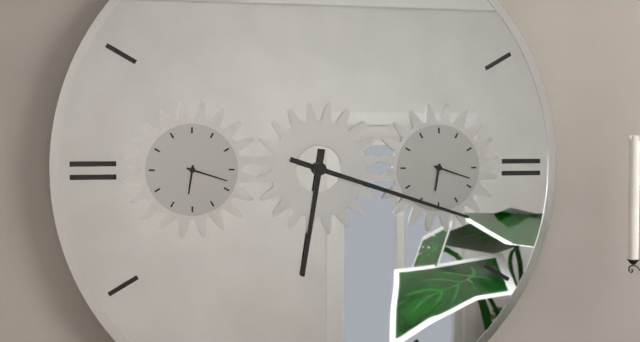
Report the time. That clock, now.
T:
6:18
